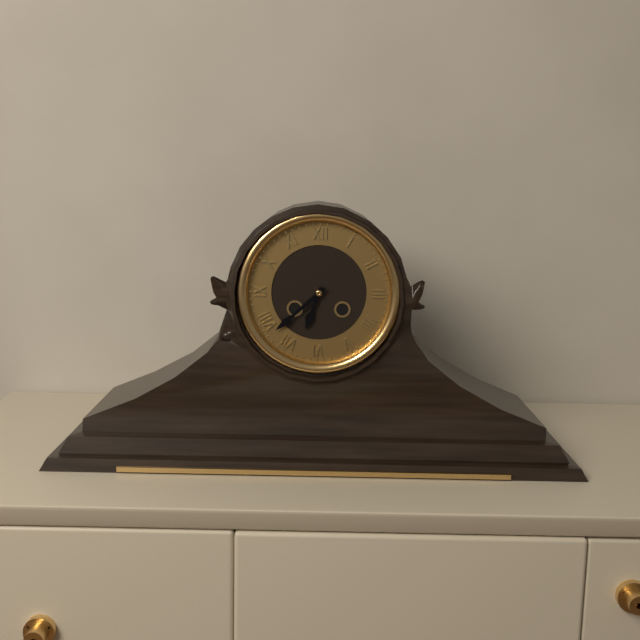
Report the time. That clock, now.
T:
6:38
